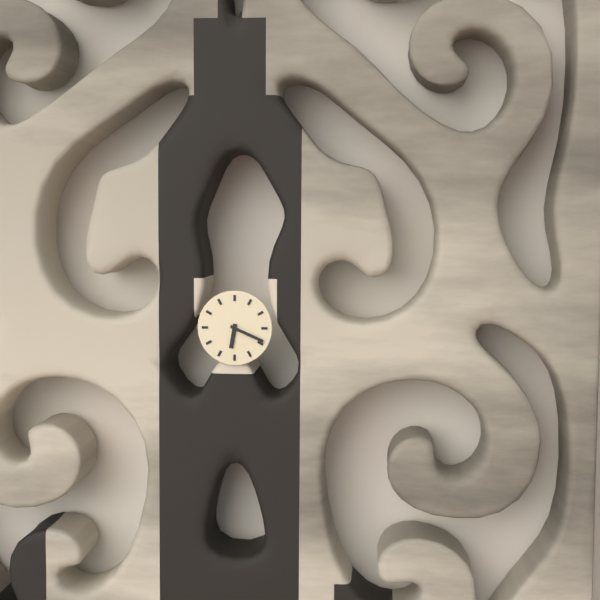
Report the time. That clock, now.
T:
6:19
